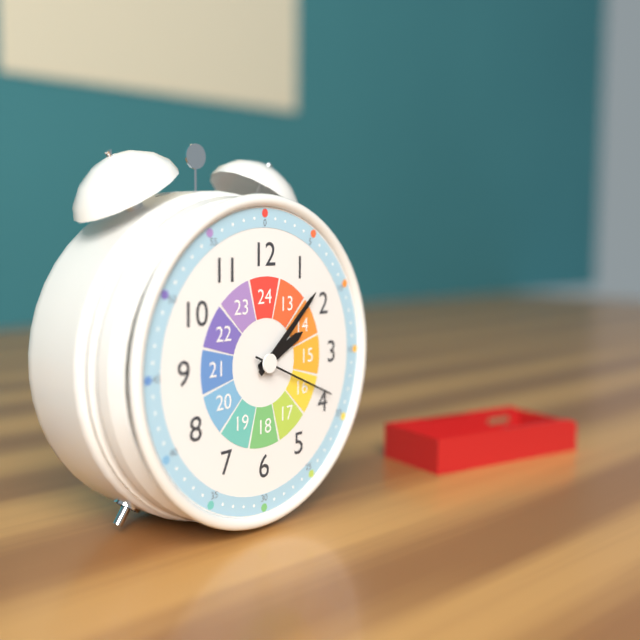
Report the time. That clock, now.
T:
2:08:19
